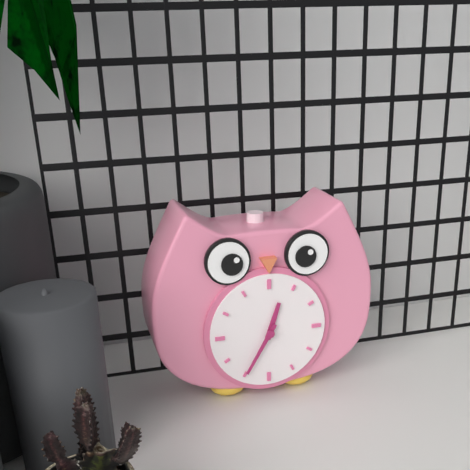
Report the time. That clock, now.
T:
12:35
